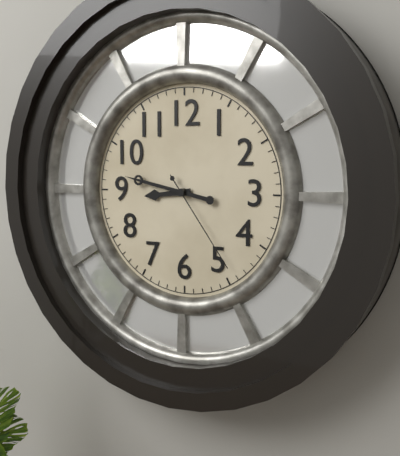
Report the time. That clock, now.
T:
8:47:24
